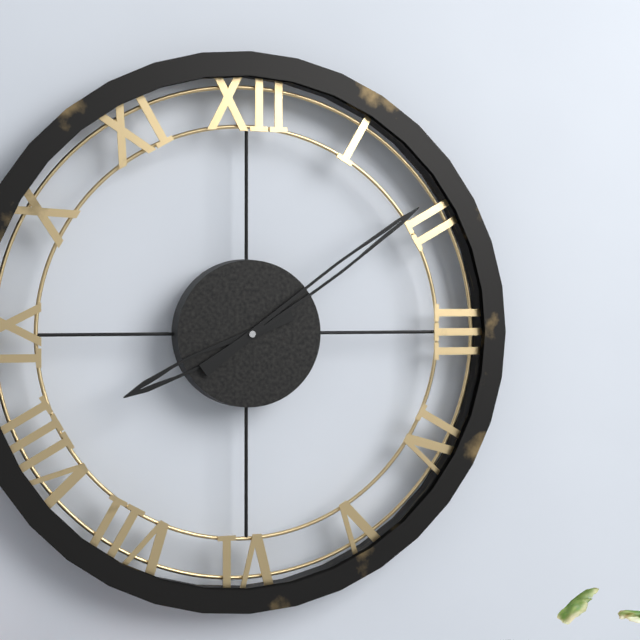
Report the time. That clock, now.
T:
8:09
